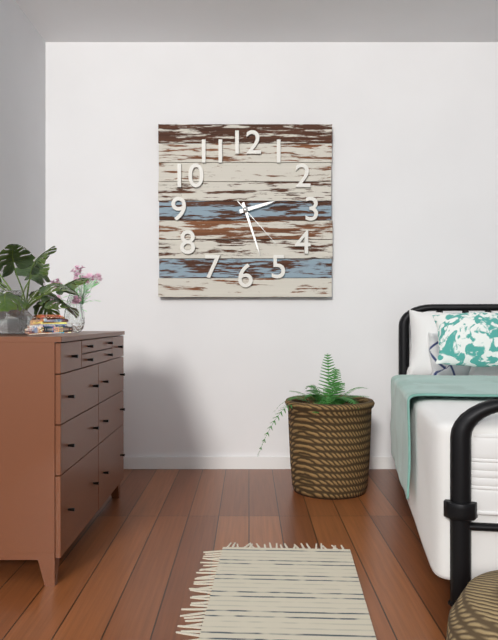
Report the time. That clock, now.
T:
2:27:23
